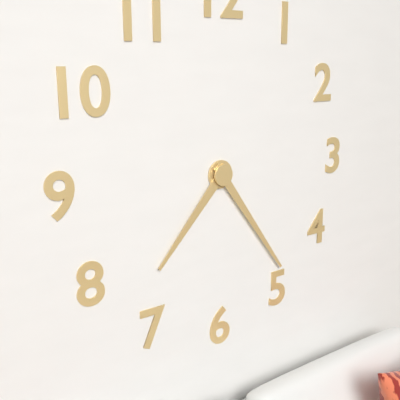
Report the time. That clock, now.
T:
7:24
